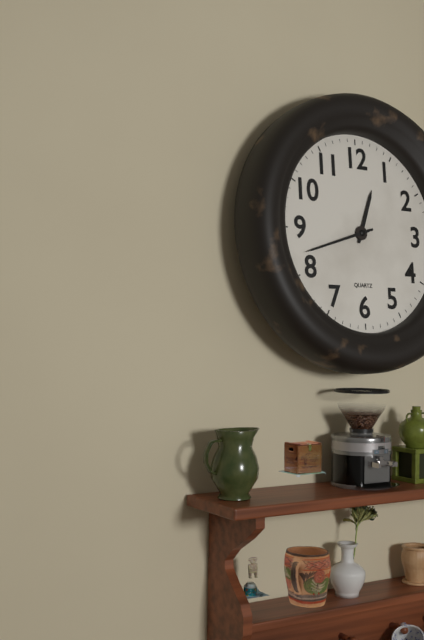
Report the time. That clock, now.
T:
12:42
